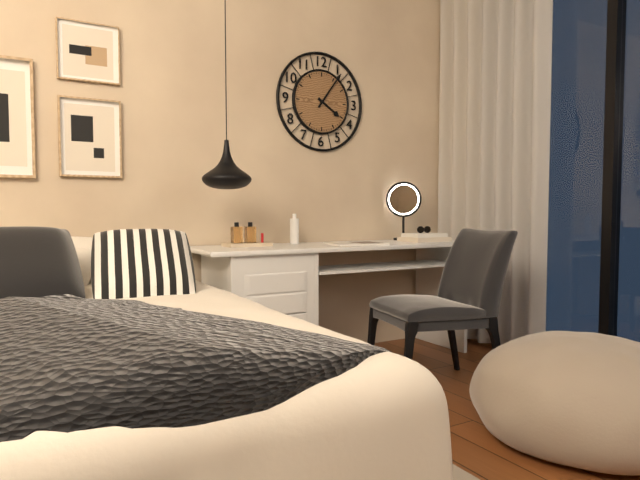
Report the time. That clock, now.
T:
4:06
